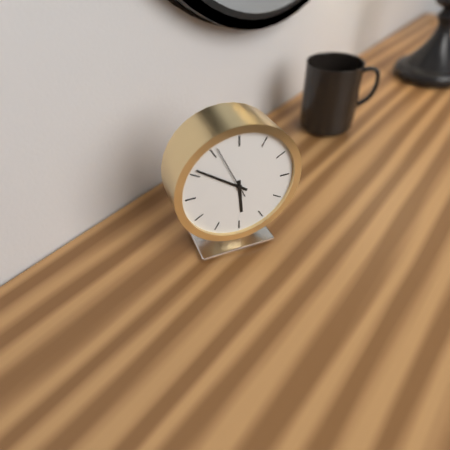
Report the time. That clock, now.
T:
5:51:56
